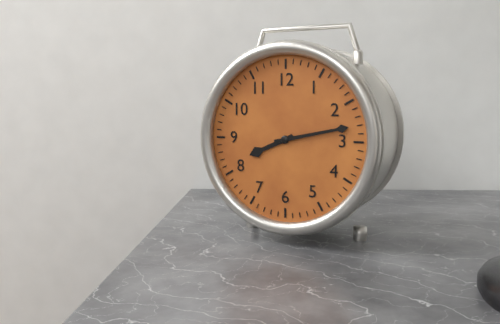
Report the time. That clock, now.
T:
8:13
